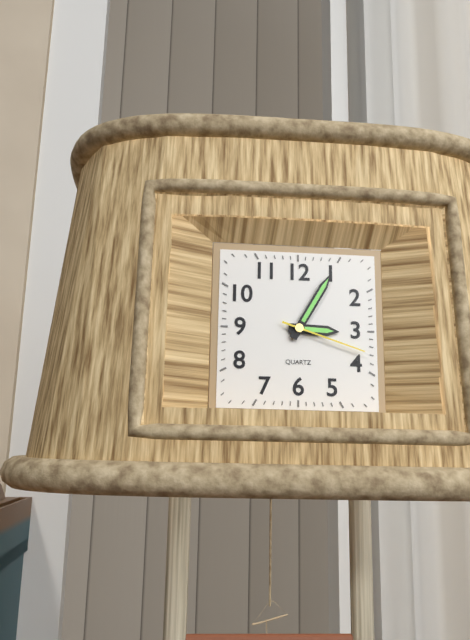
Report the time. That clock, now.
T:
3:05:18
